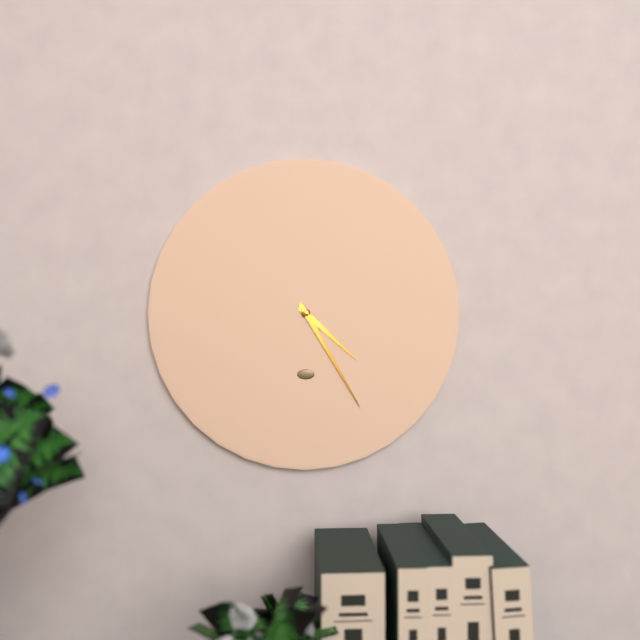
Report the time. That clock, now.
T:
4:25
